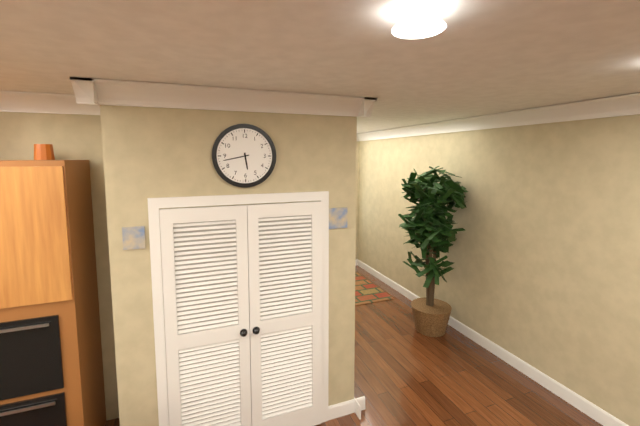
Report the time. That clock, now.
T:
5:43
